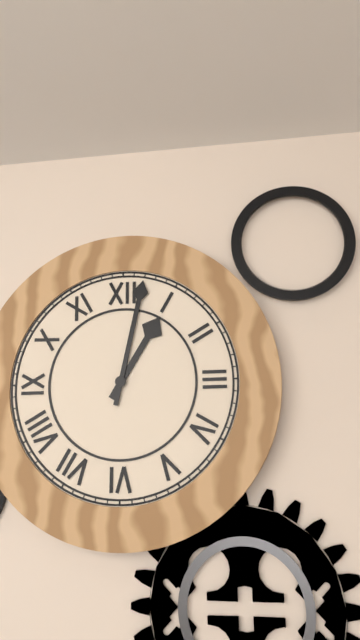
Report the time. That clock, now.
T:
1:02
